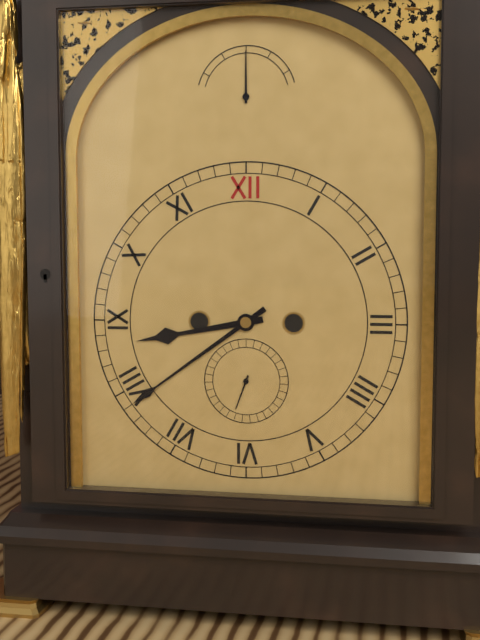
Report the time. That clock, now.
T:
8:39
